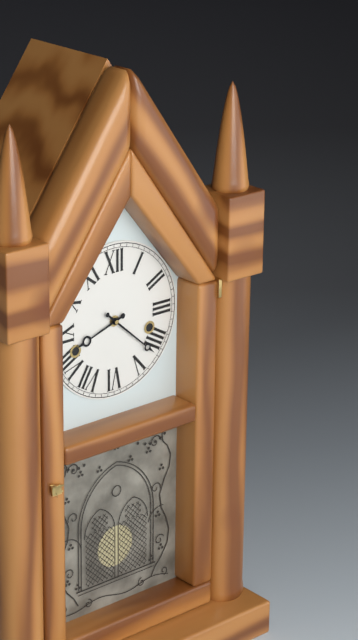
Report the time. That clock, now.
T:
8:22
